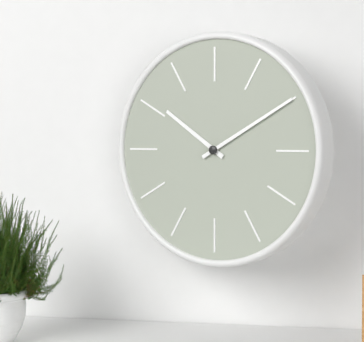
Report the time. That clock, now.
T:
10:10
